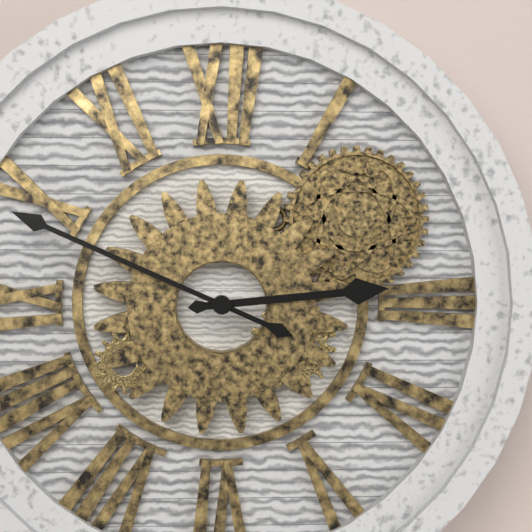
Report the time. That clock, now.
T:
2:49
